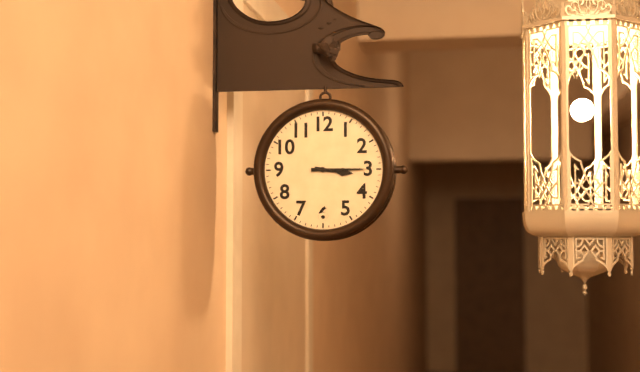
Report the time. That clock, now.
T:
3:15
